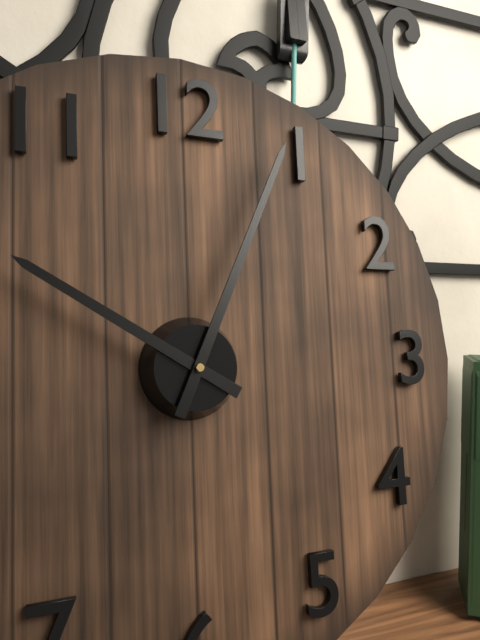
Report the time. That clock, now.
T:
10:04
